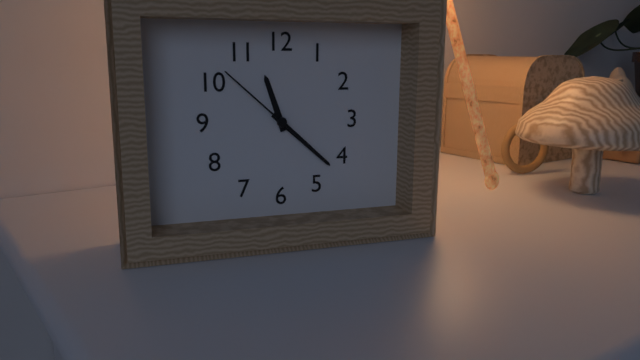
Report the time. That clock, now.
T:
11:22:52
